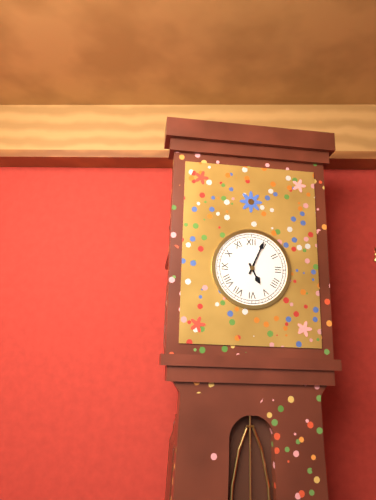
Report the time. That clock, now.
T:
5:04
